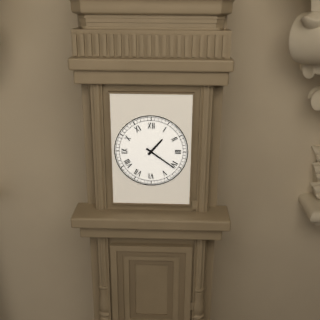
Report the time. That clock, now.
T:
1:21
